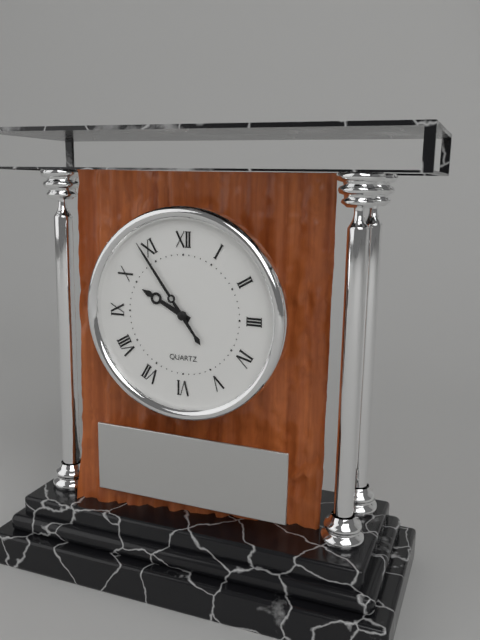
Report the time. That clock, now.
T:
9:54
